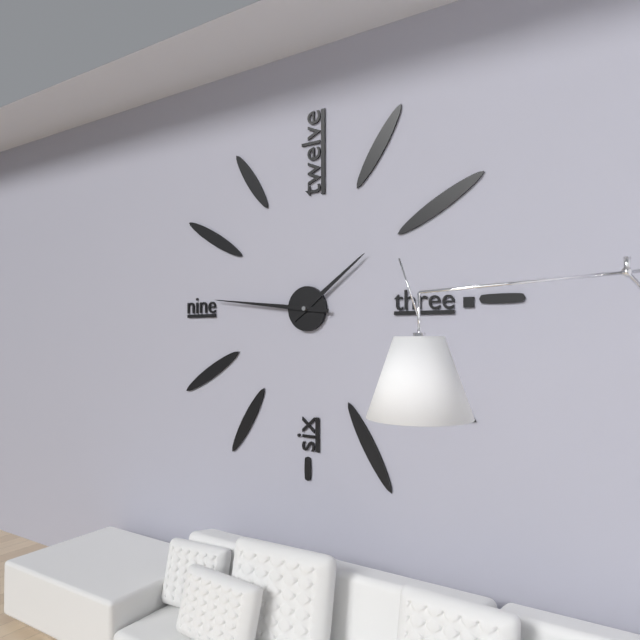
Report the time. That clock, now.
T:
1:46
